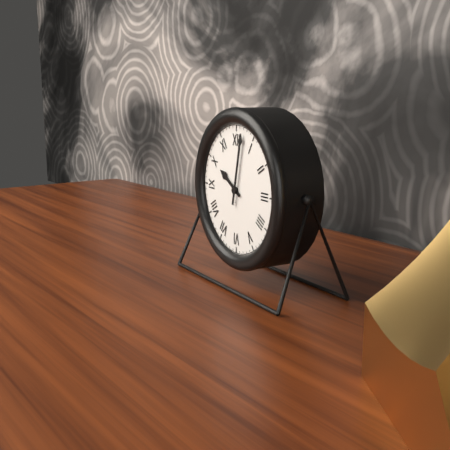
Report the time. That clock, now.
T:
10:02
